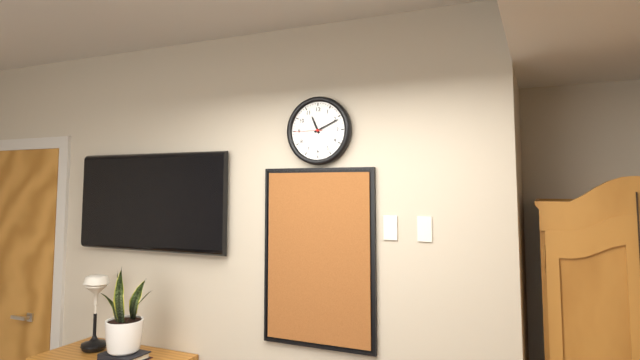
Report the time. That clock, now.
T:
11:11
